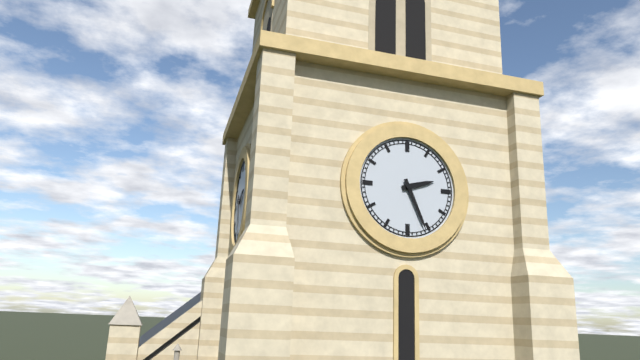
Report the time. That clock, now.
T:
2:26
